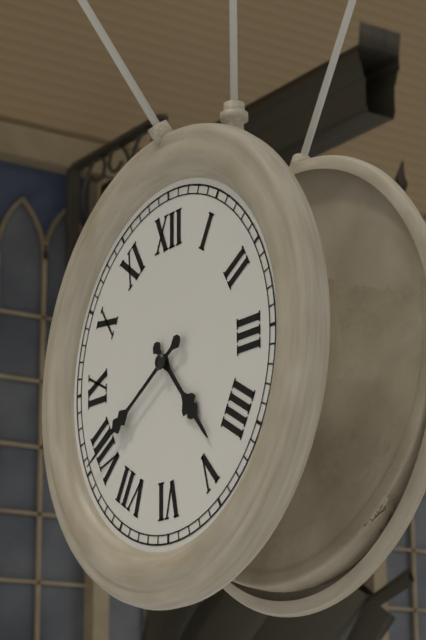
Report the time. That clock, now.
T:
4:40
